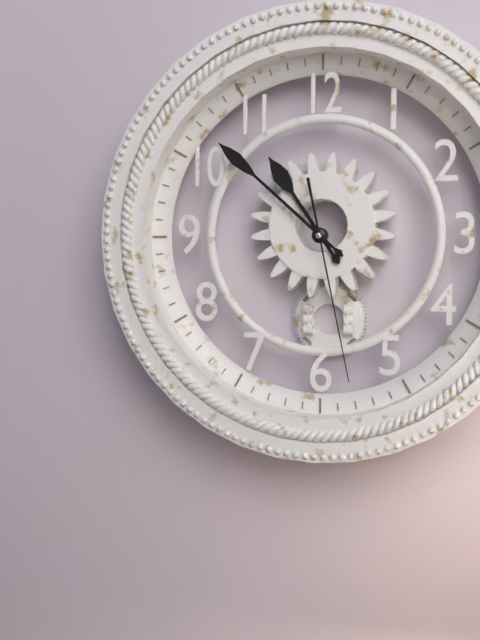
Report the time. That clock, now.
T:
10:52:28
